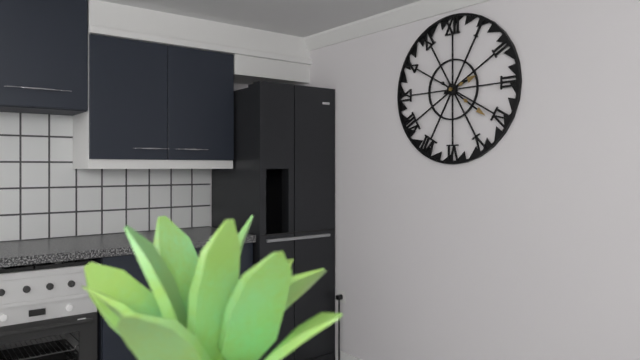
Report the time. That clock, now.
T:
2:21
